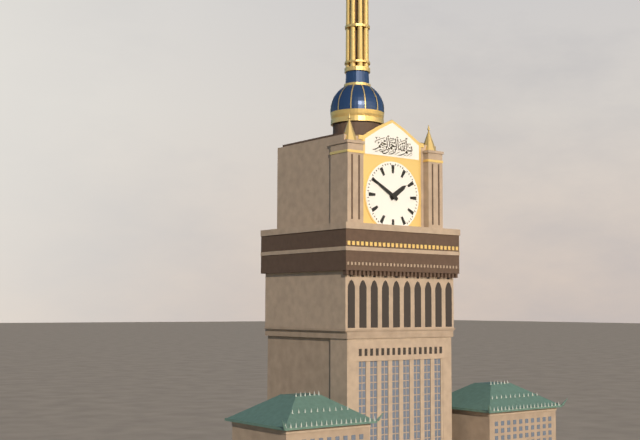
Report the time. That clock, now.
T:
1:50
